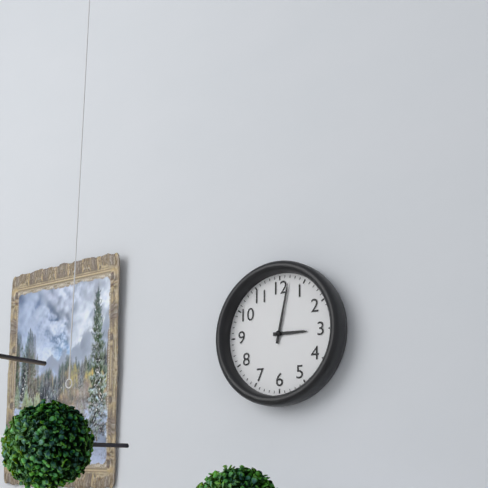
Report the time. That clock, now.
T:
3:02
